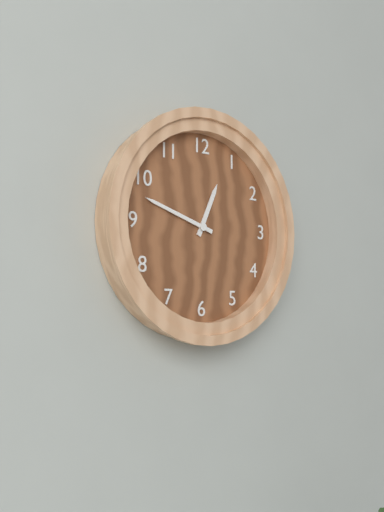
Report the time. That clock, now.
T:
12:48
